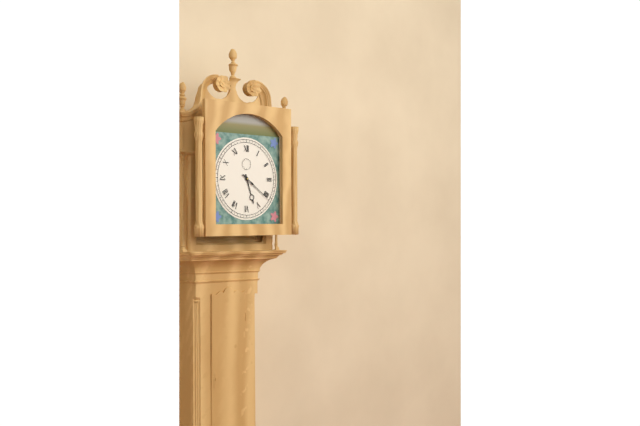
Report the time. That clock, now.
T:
5:21
